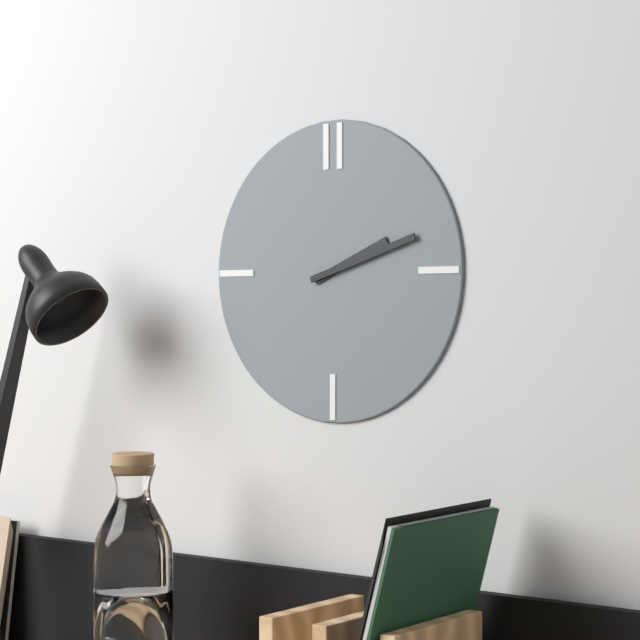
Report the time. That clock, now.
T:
2:12
